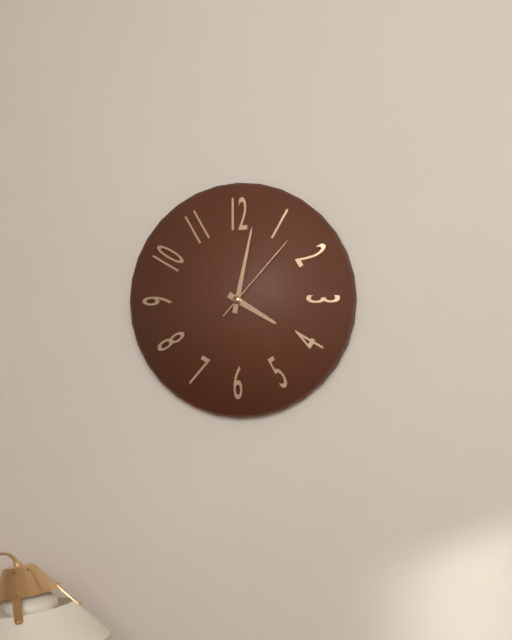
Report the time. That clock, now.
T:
4:02:07
